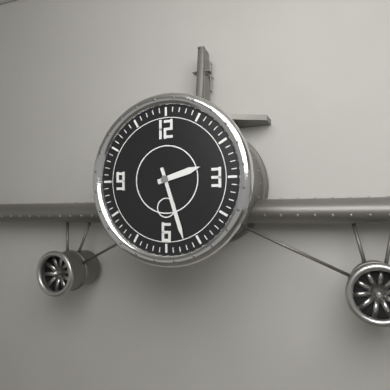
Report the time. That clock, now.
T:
2:27
